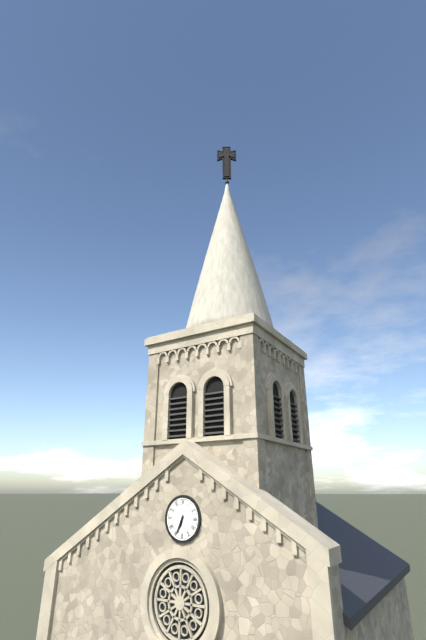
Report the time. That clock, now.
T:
6:34
